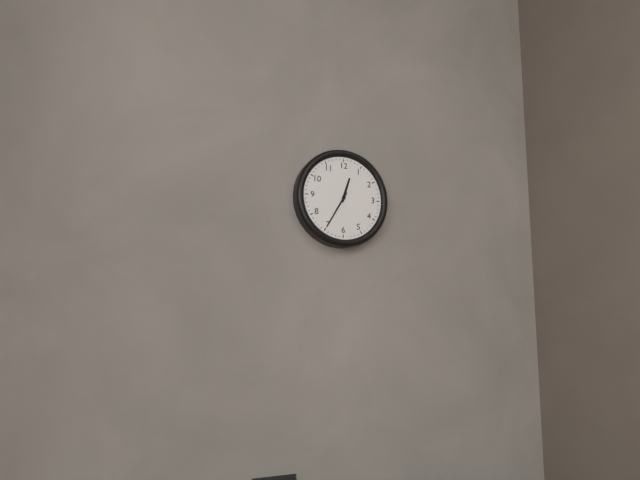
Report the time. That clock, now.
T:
12:35
